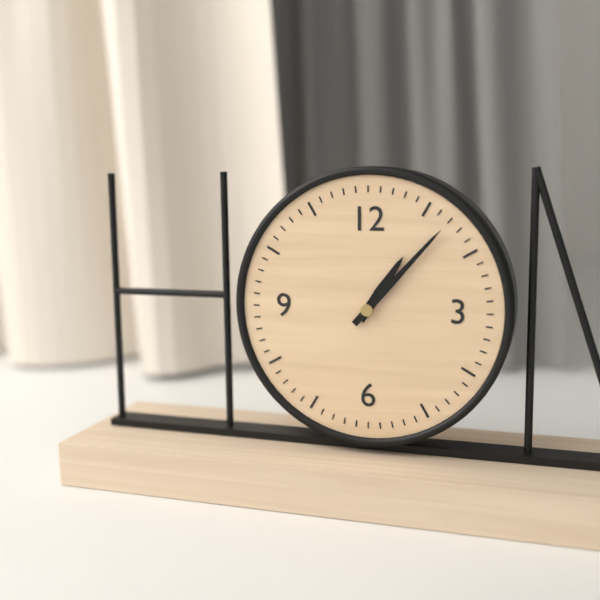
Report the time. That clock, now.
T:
1:07
